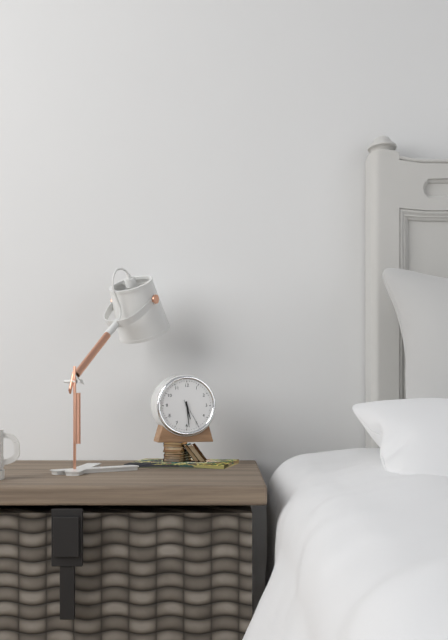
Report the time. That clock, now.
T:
5:29
